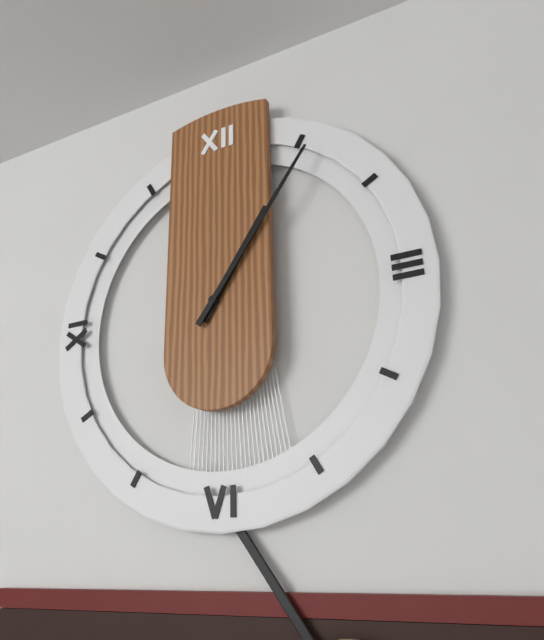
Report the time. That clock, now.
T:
1:06
